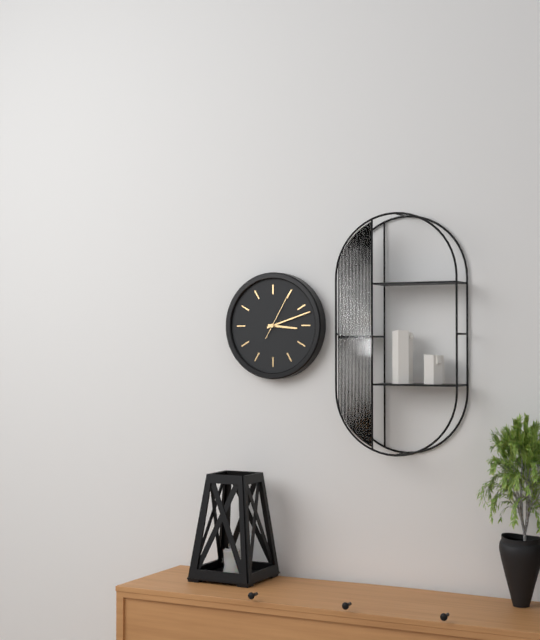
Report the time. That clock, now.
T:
3:12
